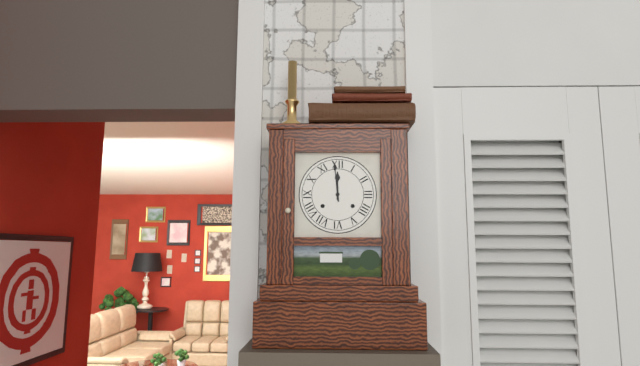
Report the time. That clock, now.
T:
11:59
